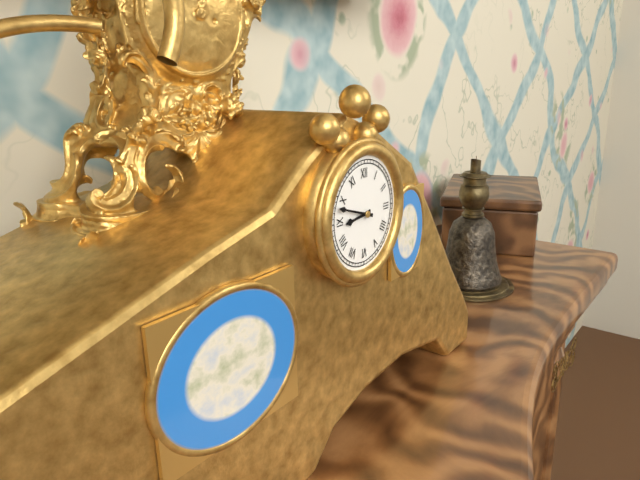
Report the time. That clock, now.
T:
8:48
